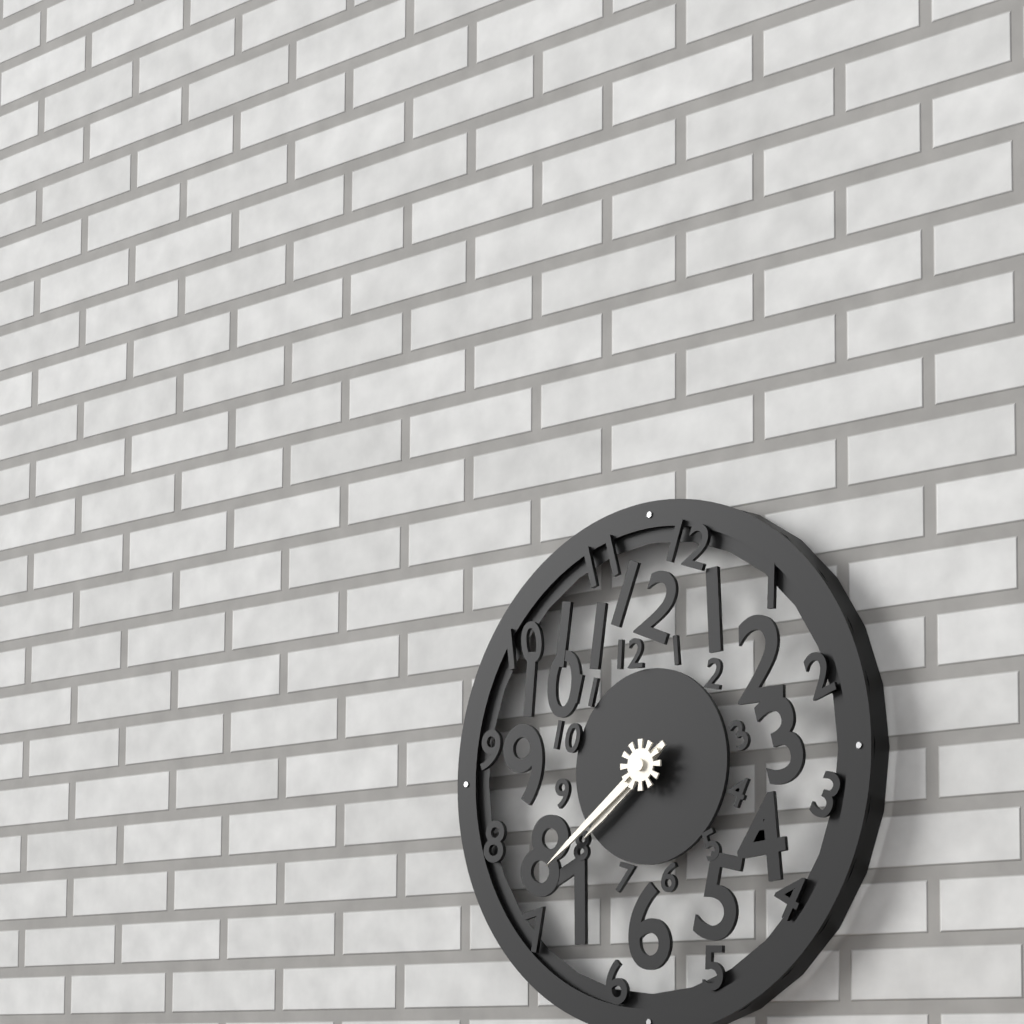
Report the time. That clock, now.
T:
7:39
